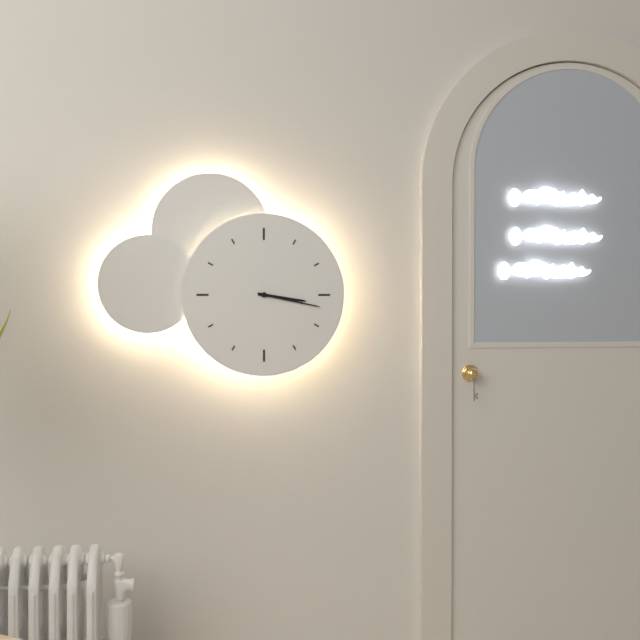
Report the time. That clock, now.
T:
3:17
